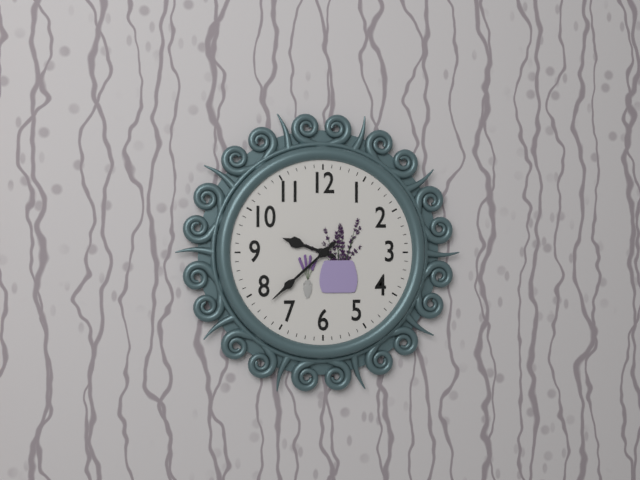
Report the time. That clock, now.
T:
9:38
